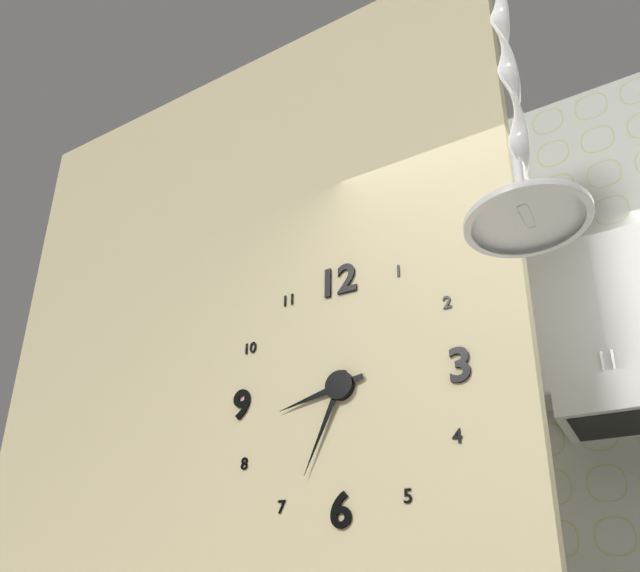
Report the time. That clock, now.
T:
8:34
